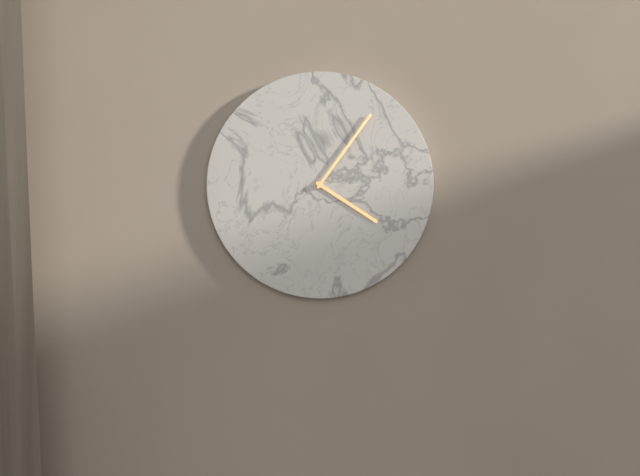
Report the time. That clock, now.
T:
4:06
